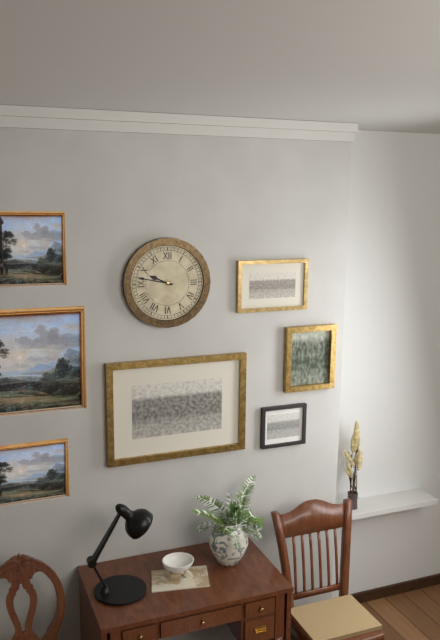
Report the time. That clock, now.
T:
9:47
